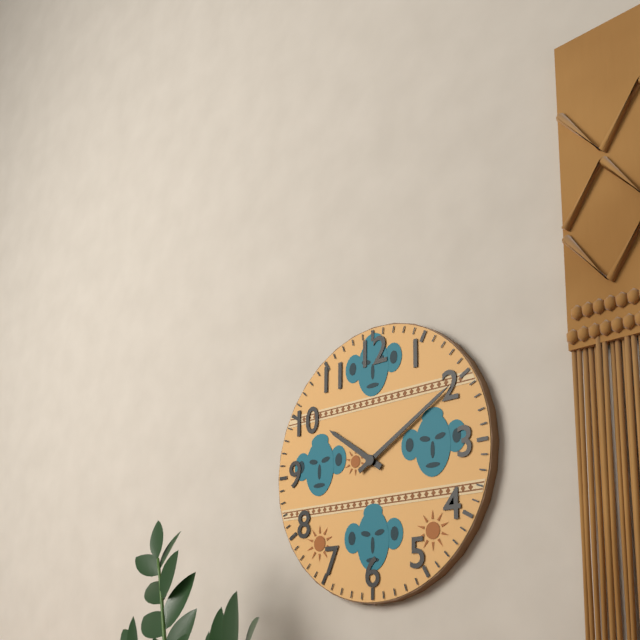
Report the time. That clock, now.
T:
10:10
